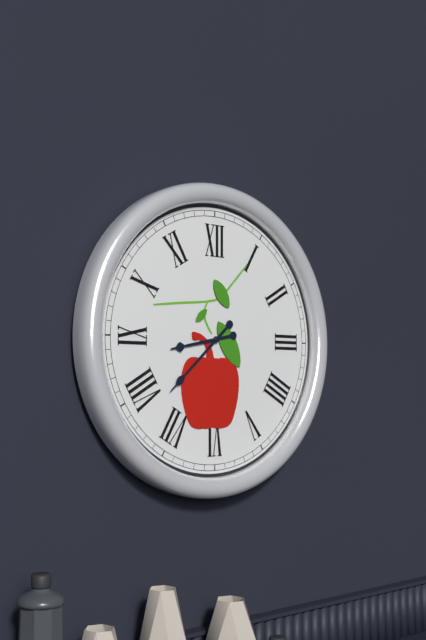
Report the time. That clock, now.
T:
8:38
